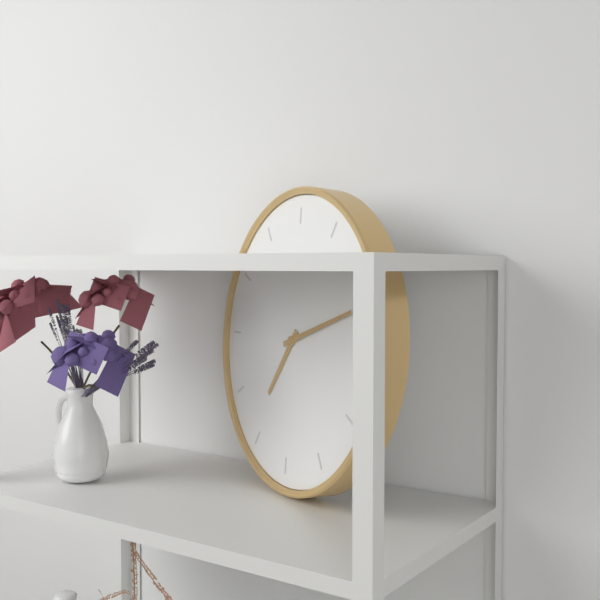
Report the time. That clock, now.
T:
7:12
